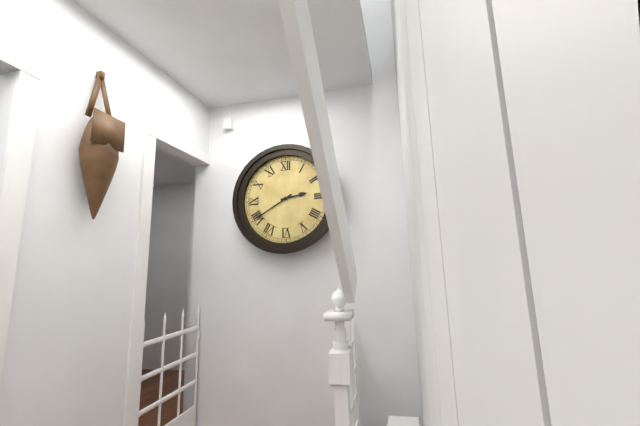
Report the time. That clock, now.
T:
2:40
